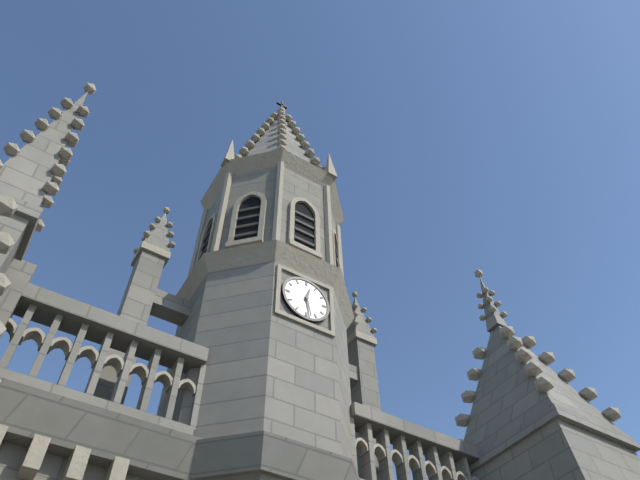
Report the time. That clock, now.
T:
12:28
